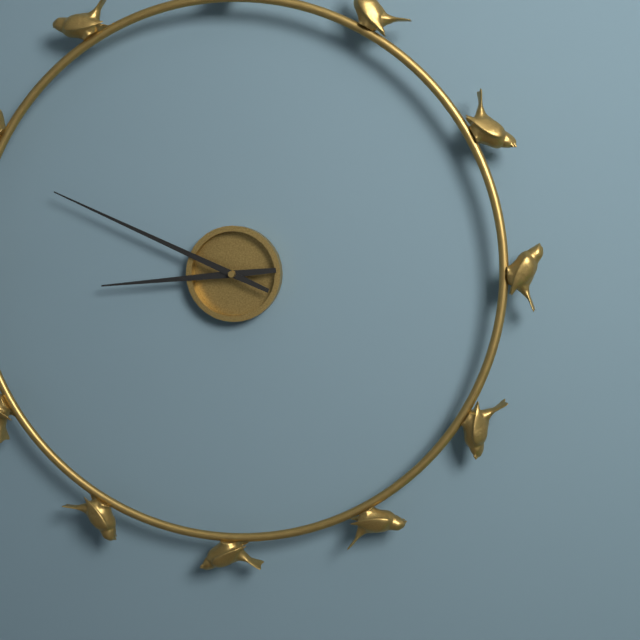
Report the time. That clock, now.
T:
8:49
